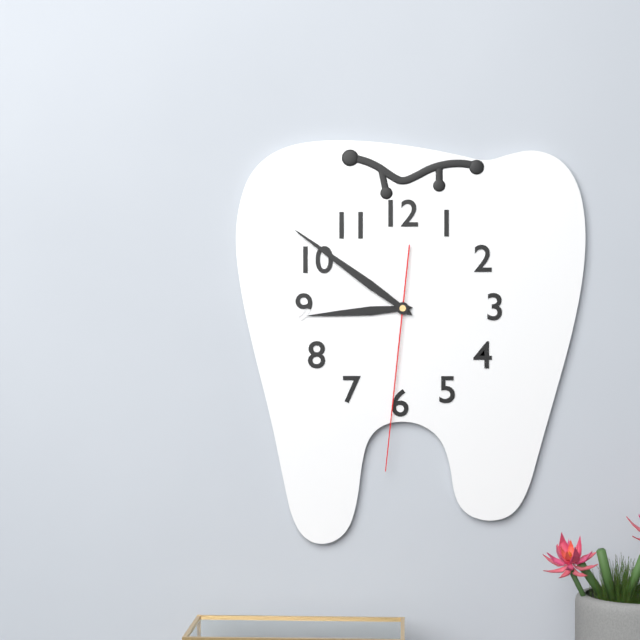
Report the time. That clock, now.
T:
8:51:31
